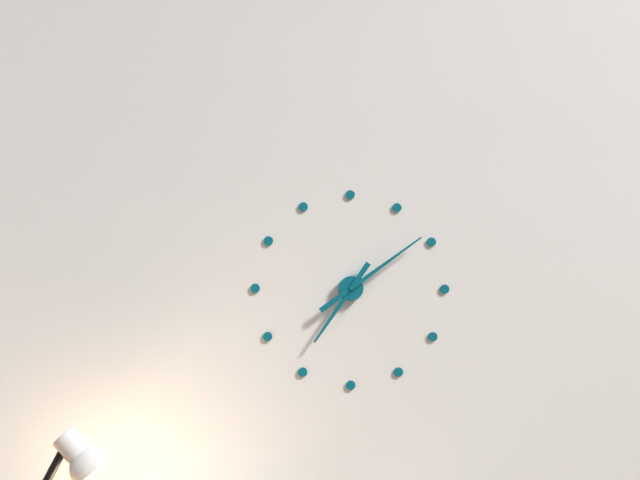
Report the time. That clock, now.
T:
7:09
